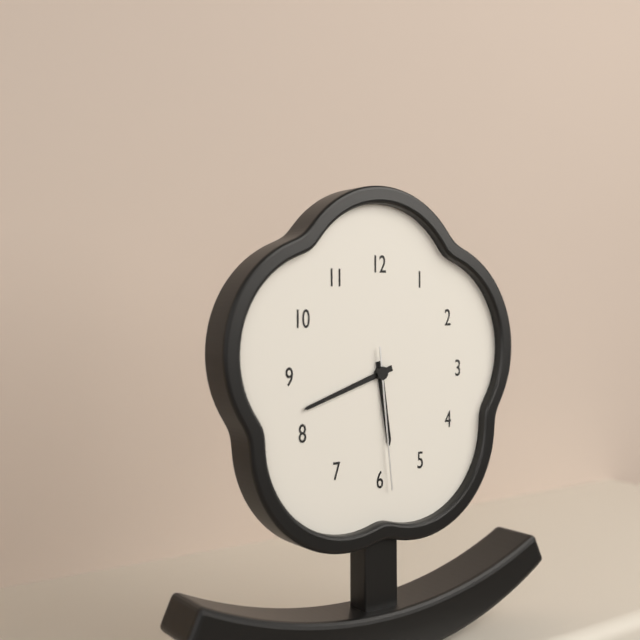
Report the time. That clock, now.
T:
5:42:29
